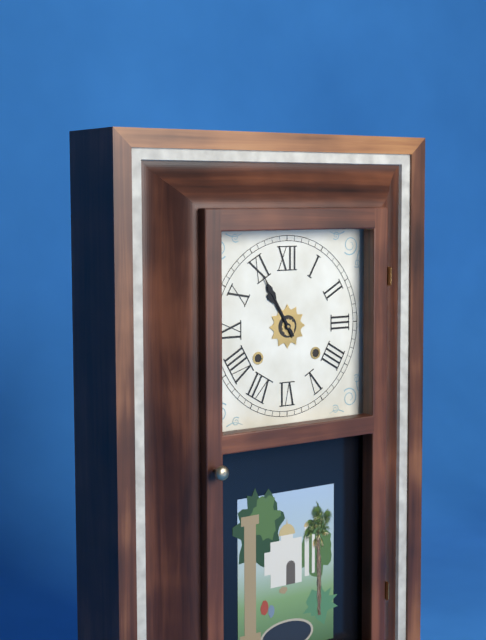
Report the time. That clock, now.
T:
10:55
